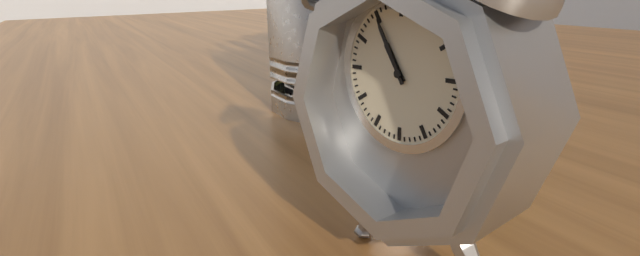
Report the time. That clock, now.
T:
10:55
